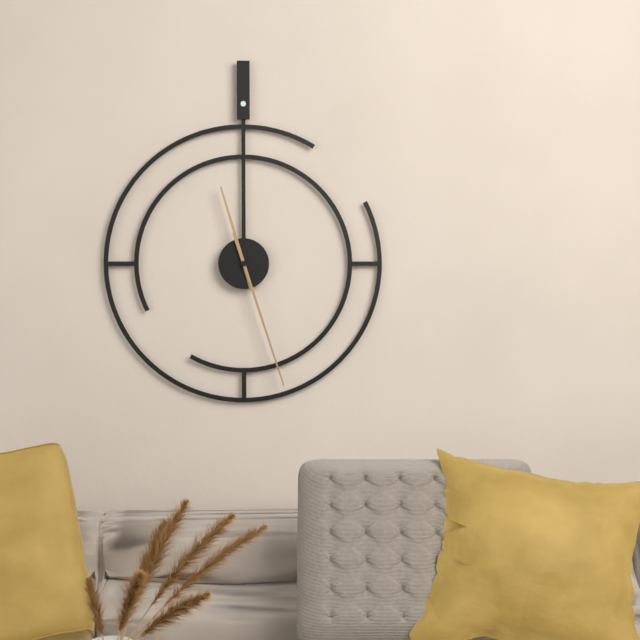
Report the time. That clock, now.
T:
11:27
